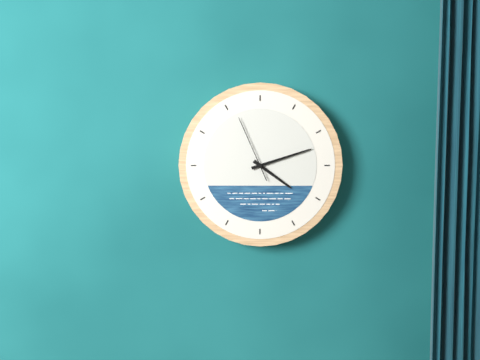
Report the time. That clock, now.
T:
4:12:56
